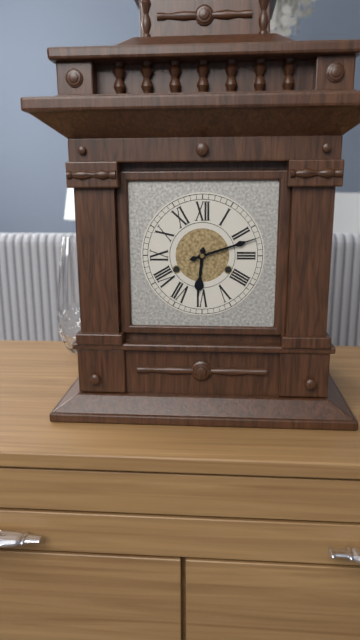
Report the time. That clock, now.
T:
6:12
